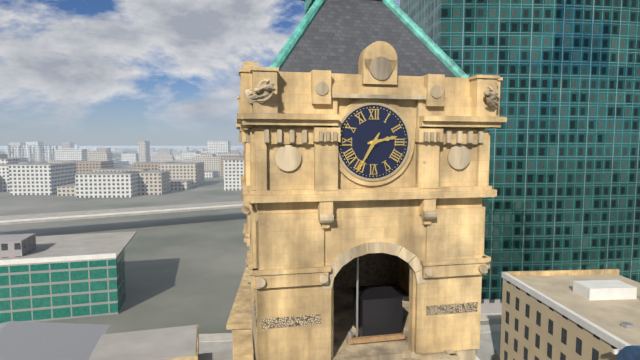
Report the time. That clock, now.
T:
2:35
